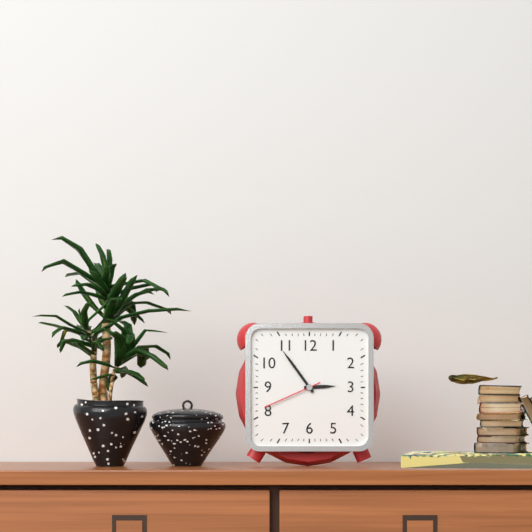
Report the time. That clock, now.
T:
2:54:41
